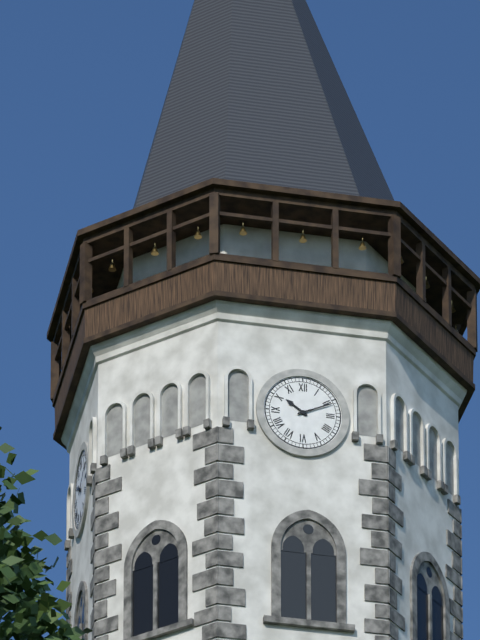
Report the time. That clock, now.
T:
10:11
